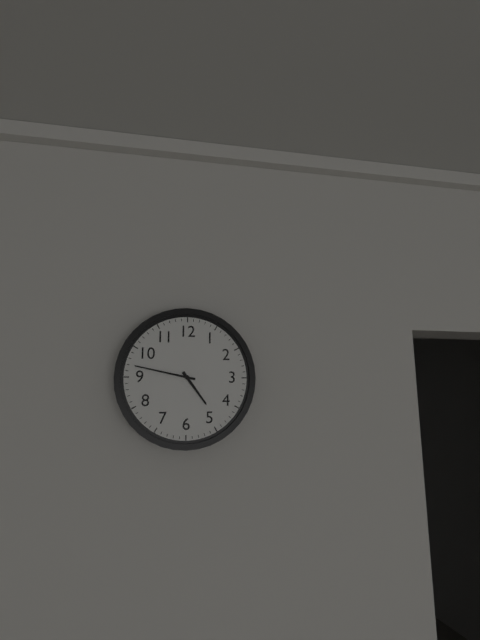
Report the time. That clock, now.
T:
4:47
